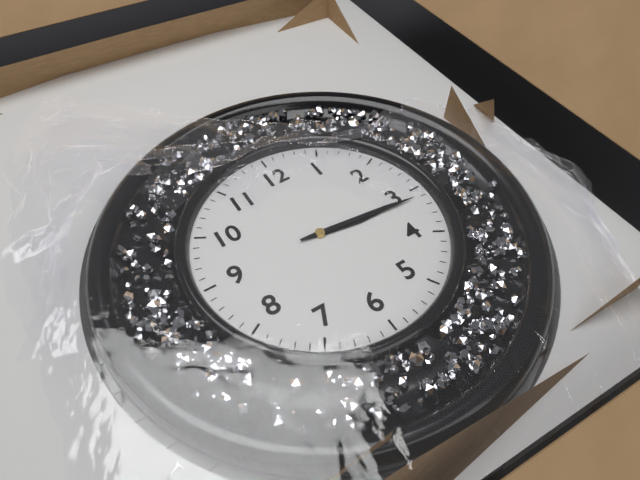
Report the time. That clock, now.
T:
3:16
